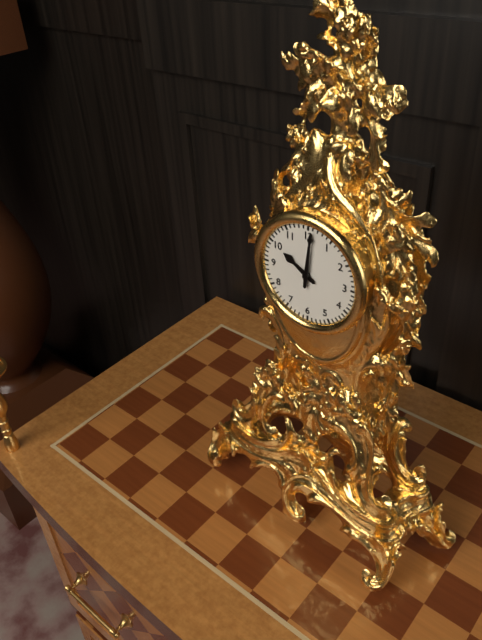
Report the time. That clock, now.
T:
10:01
